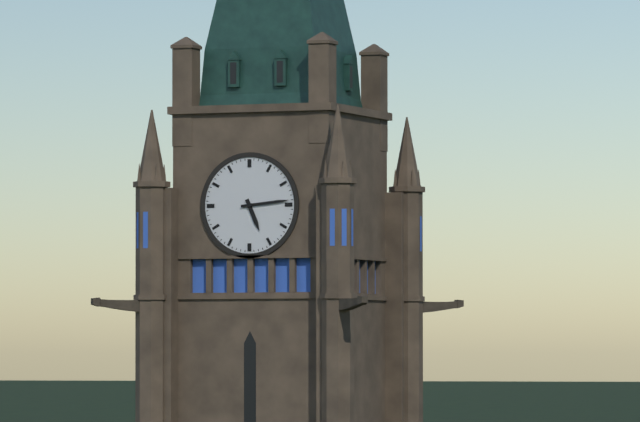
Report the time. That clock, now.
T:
5:14
